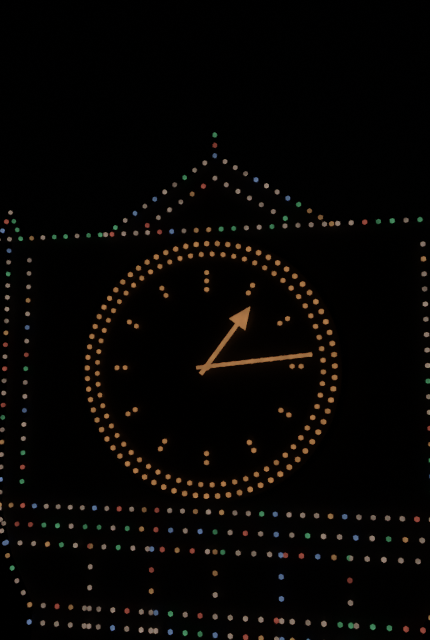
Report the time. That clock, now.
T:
1:14
